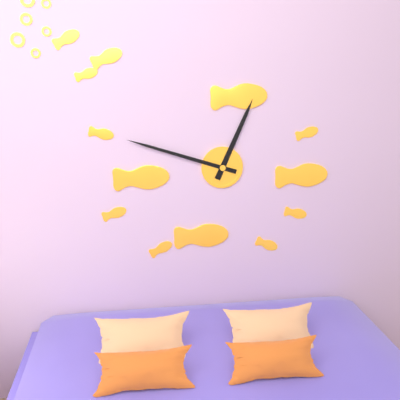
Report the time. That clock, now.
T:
12:48
